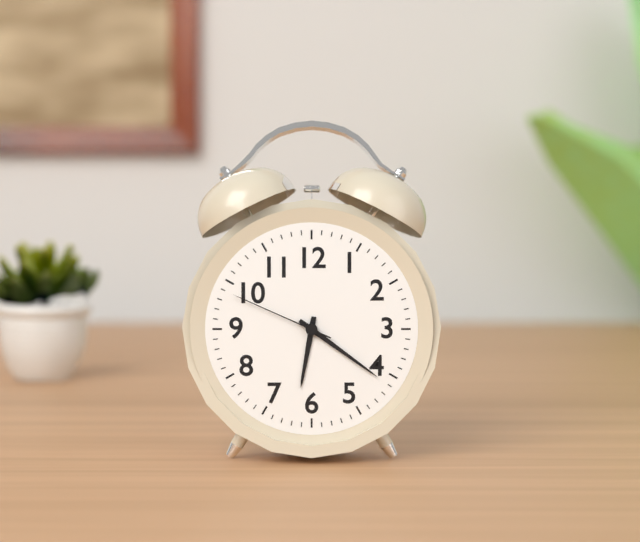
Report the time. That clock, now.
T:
6:21:49
